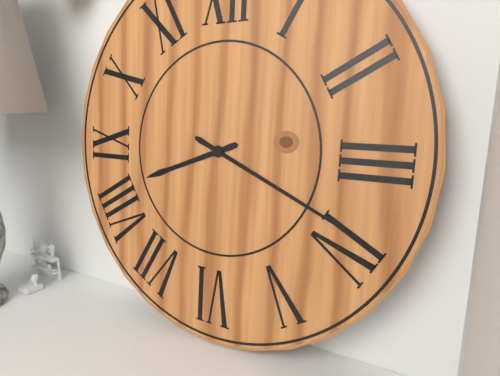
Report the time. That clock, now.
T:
8:19
